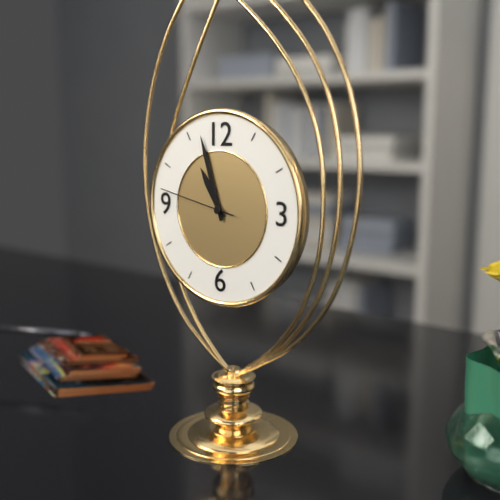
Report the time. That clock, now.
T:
10:57:47
